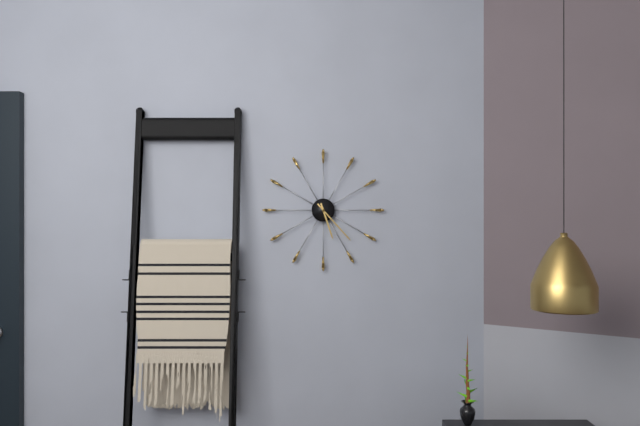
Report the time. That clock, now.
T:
5:23
